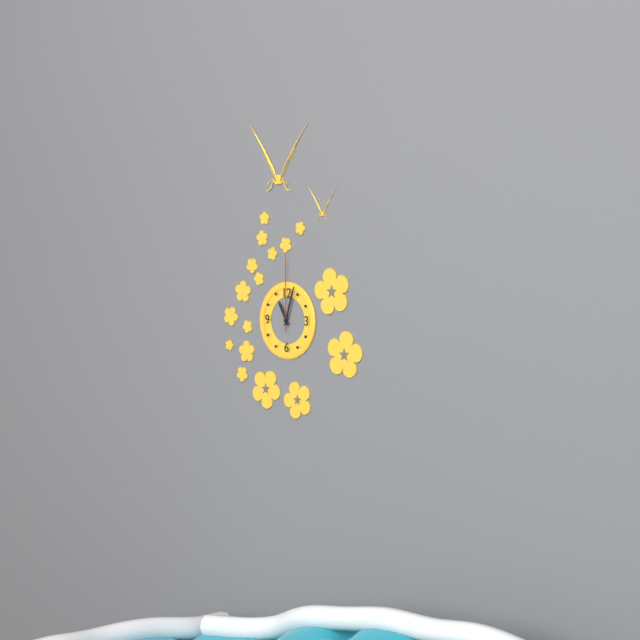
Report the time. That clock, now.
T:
11:03:00
